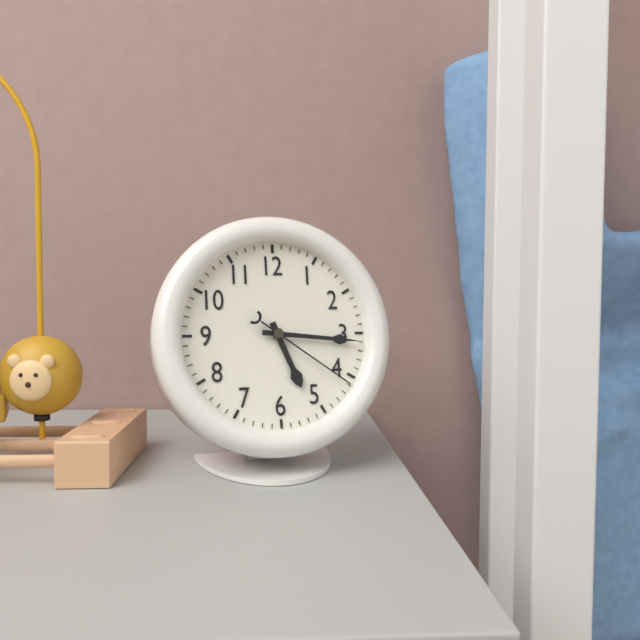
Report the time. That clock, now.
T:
5:16:21
